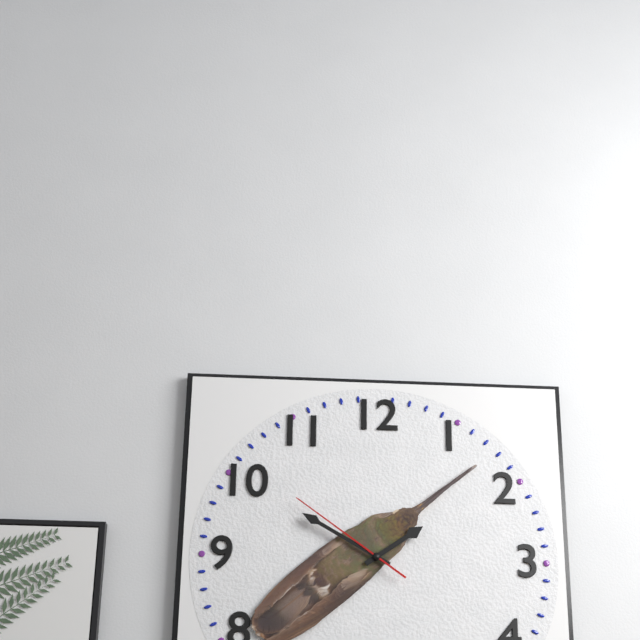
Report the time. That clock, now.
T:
1:50:51
